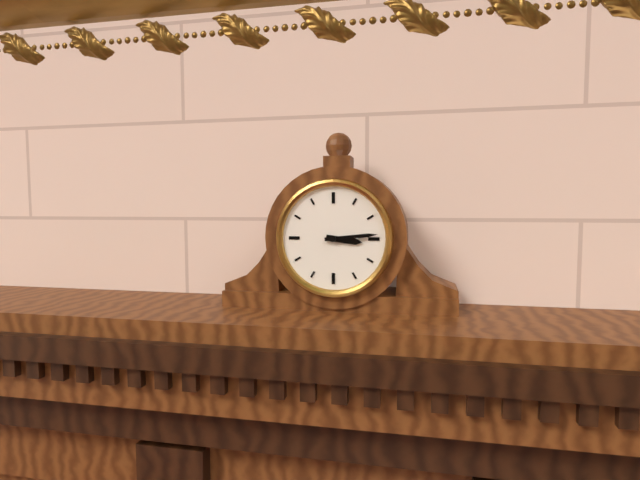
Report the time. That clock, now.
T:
3:14
